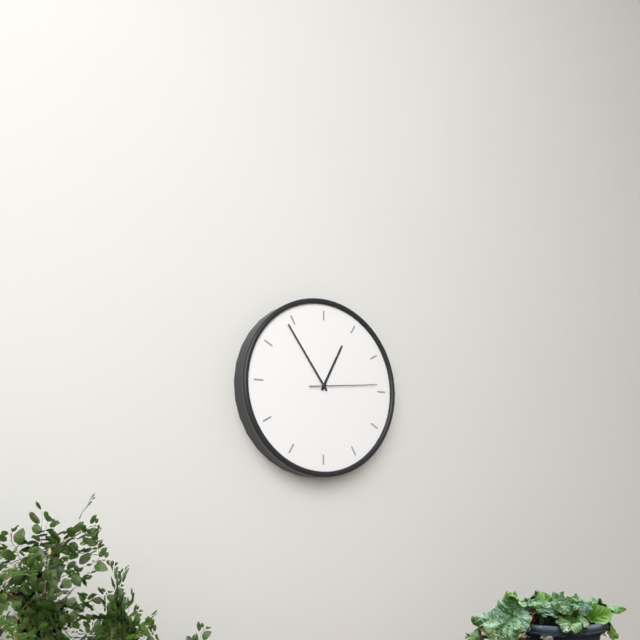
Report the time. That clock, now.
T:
12:54:14
